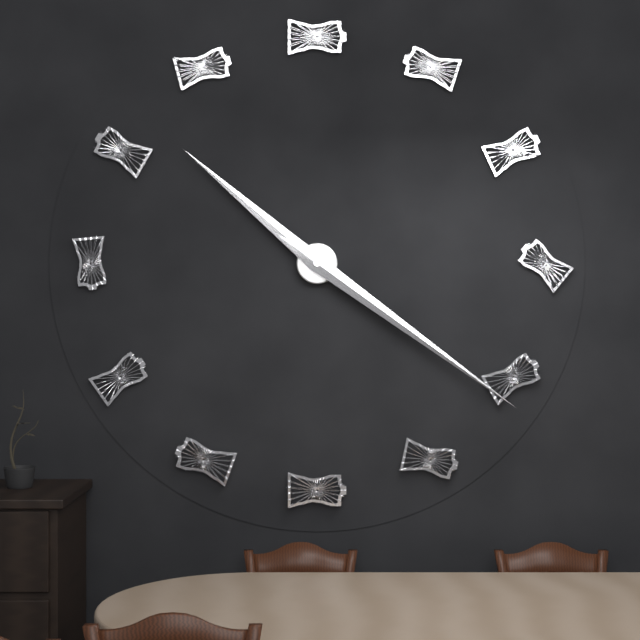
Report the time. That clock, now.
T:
10:21
